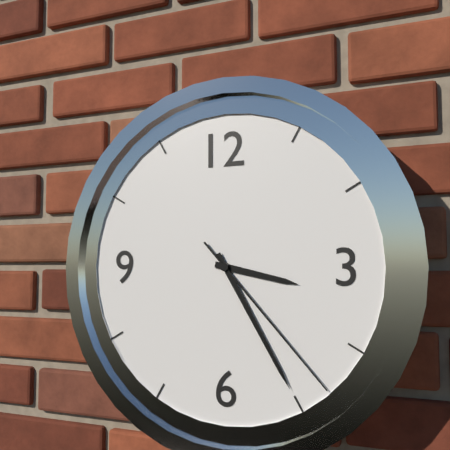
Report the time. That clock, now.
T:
3:25:23
